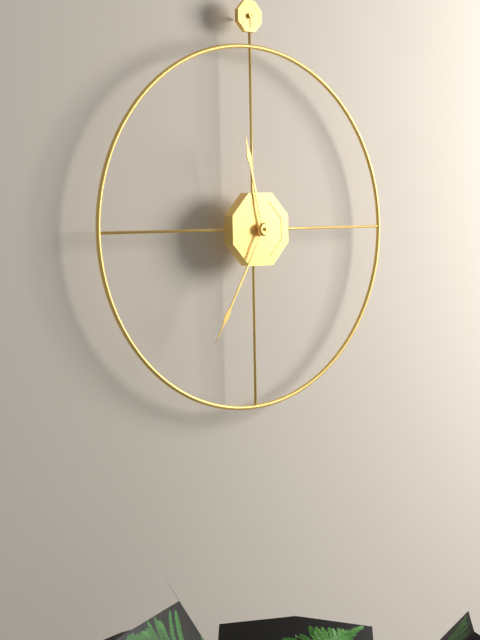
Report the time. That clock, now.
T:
11:35
